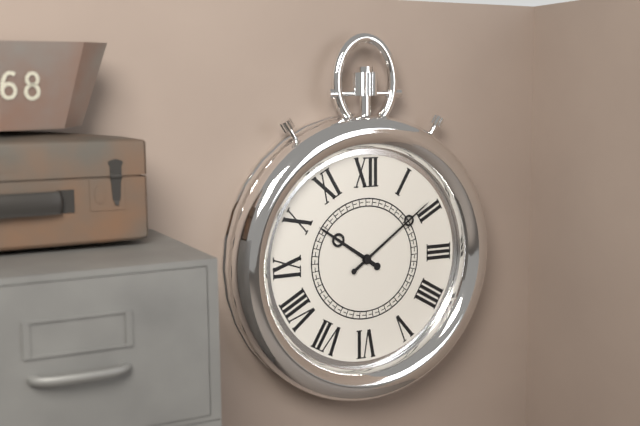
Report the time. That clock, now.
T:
10:09
